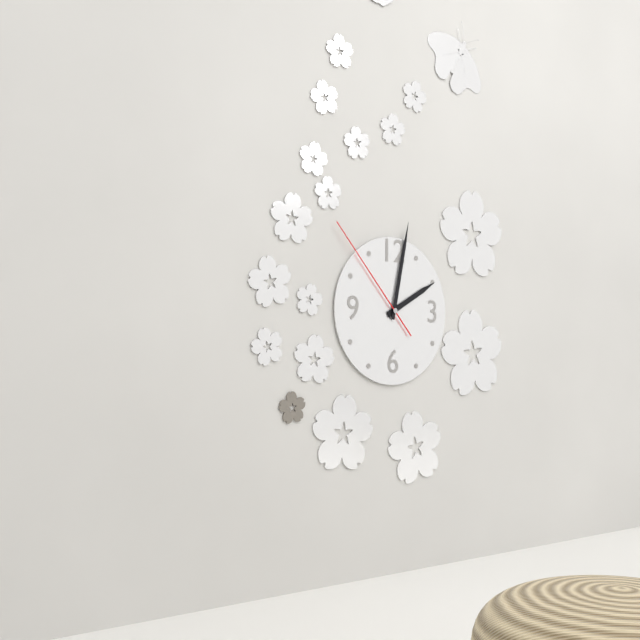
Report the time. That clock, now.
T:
2:02:53
